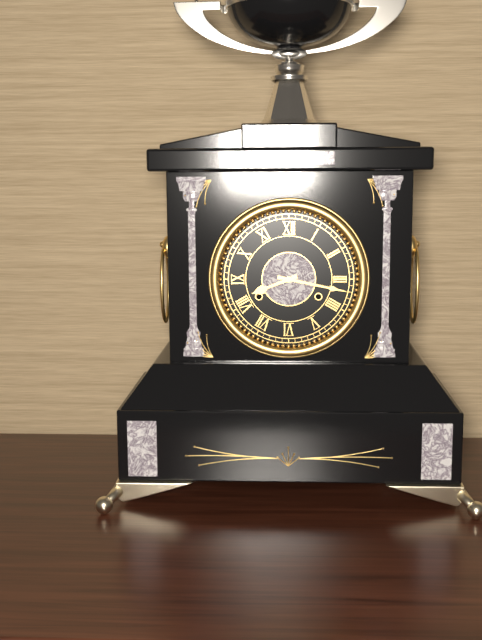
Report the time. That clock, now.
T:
8:17
